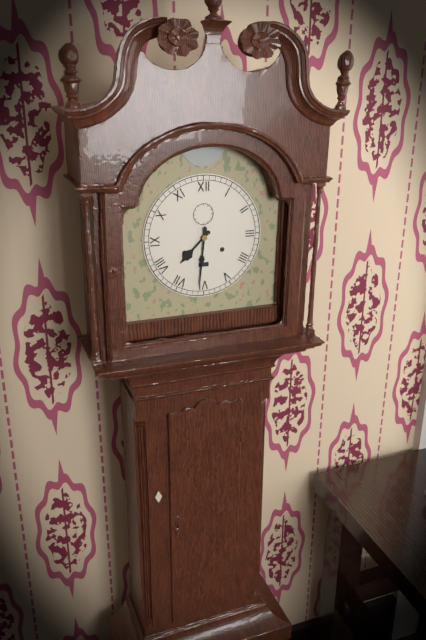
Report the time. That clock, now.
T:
7:31
